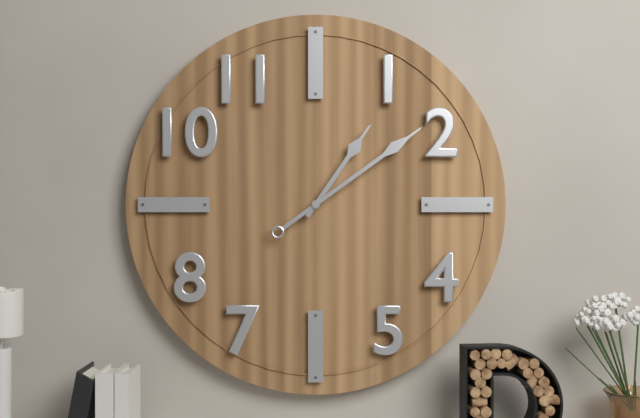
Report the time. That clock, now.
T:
1:09
